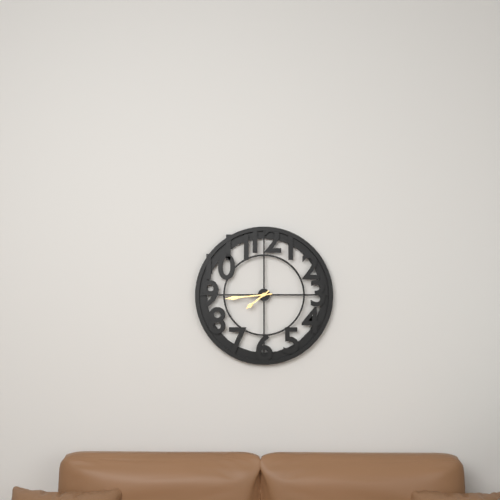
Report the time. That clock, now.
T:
7:44
